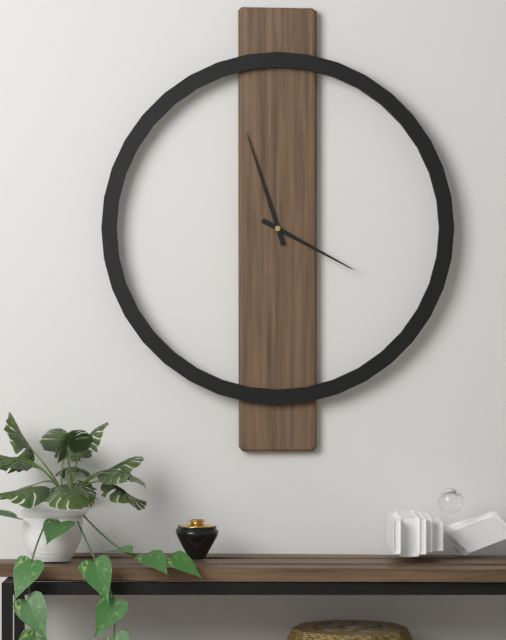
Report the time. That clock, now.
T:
3:57
